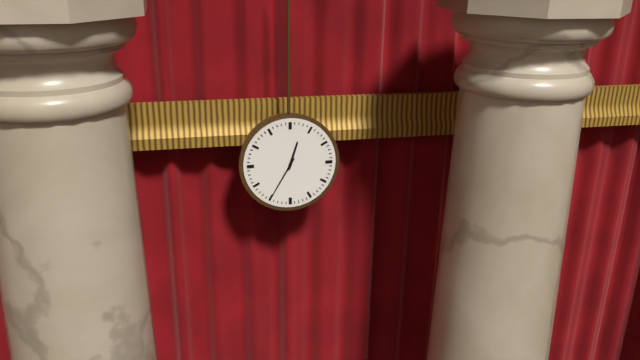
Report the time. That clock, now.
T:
12:35
